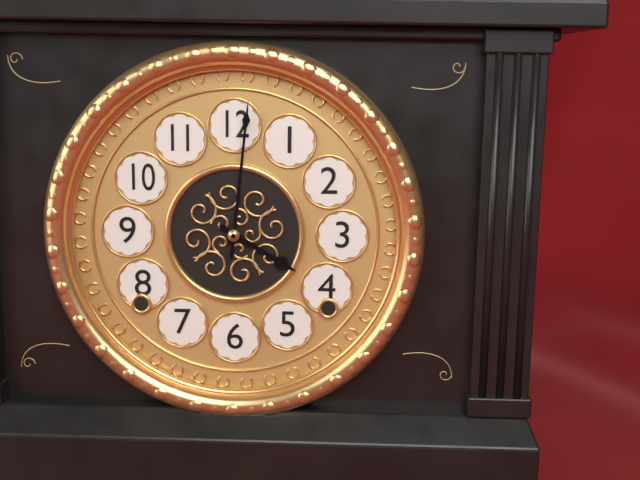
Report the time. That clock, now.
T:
4:01
